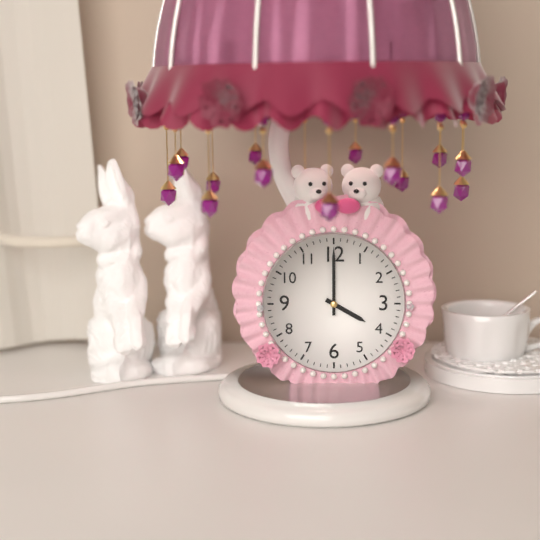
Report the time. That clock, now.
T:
4:00
